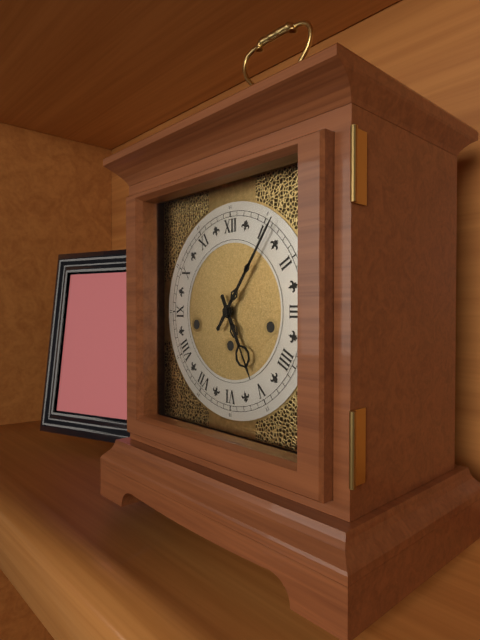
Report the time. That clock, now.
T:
5:06
